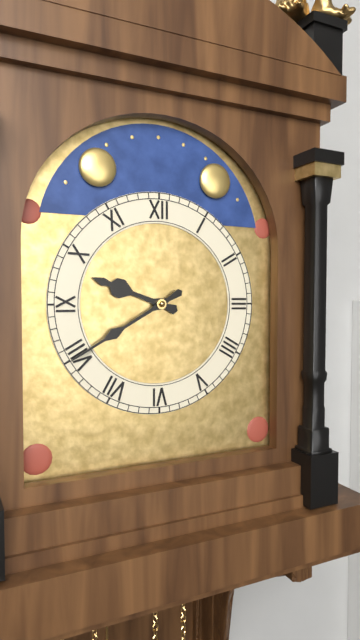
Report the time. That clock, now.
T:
9:40
